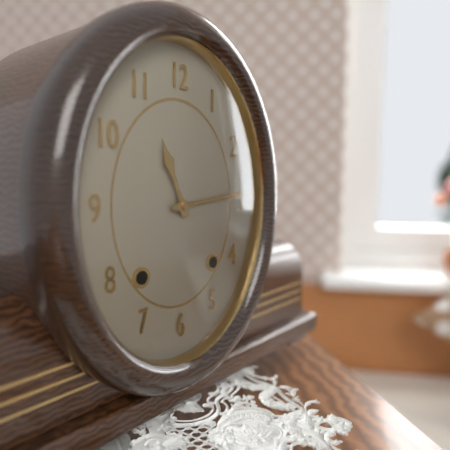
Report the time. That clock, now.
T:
11:14
